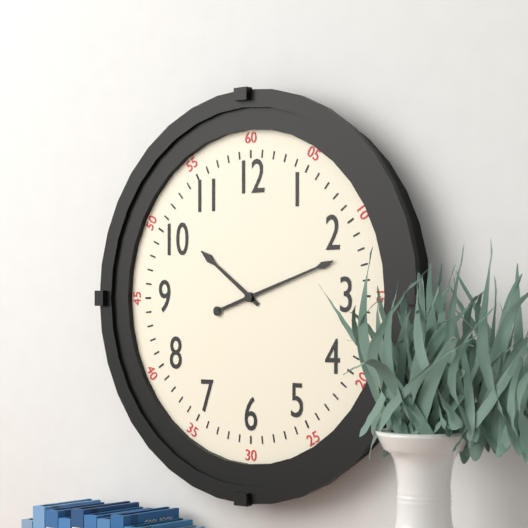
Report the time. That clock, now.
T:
10:12
